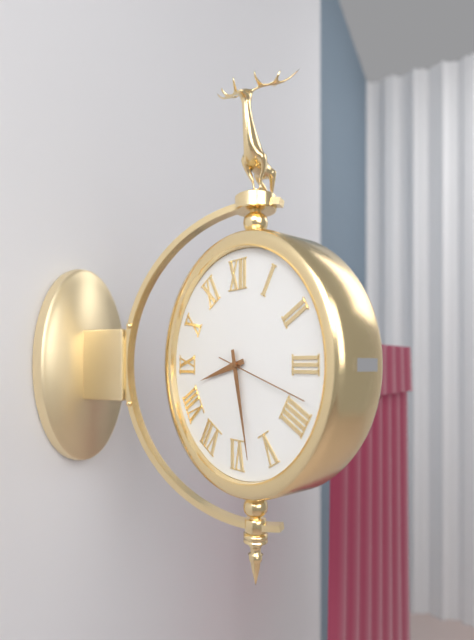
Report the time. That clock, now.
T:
8:28:18
